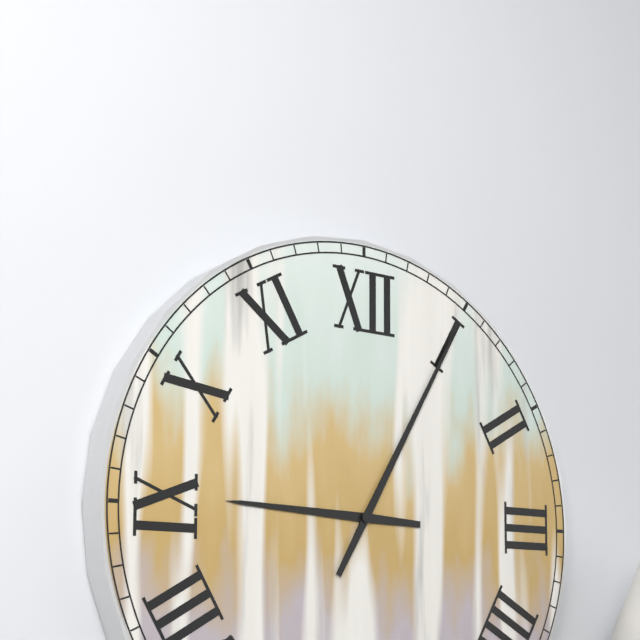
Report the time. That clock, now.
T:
9:05
